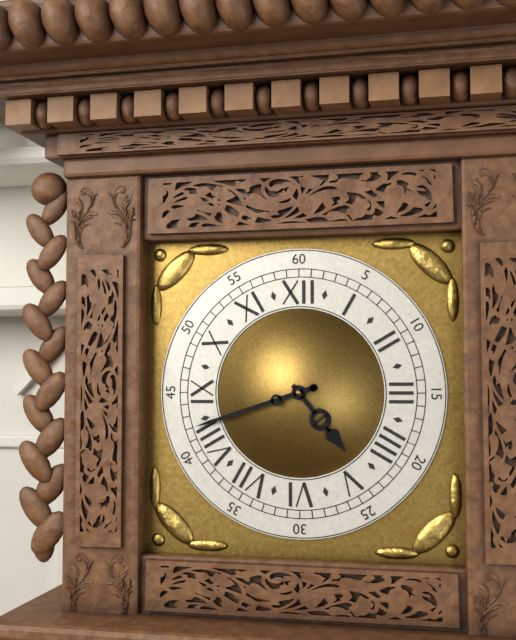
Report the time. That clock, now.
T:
4:42
